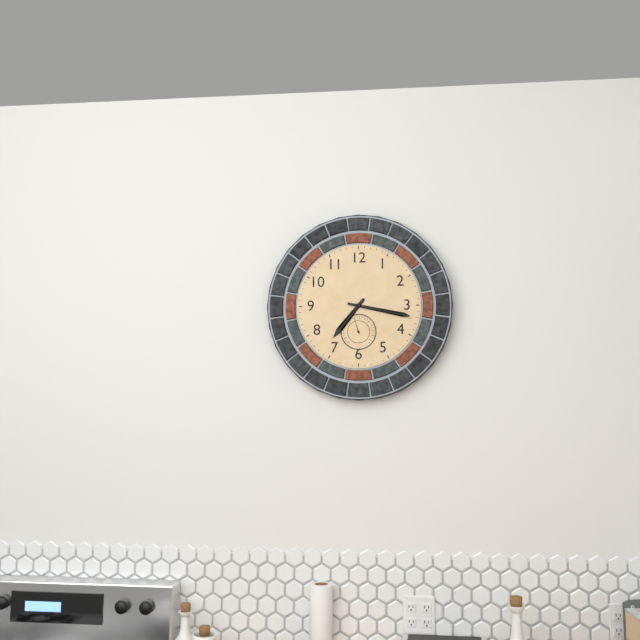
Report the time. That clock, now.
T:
7:17
